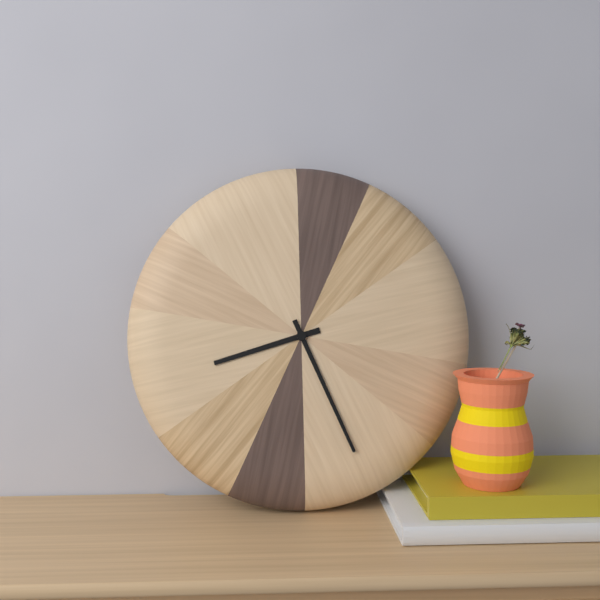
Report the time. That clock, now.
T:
8:26
